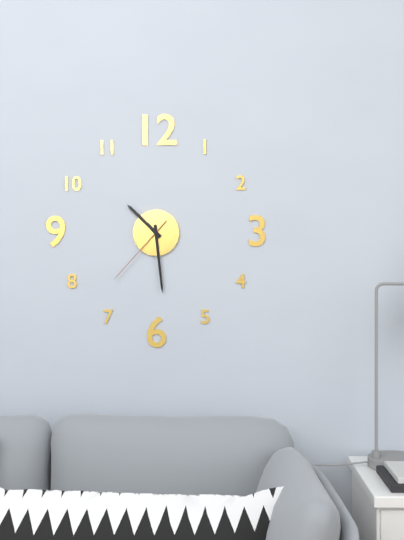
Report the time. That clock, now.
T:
10:29:37
